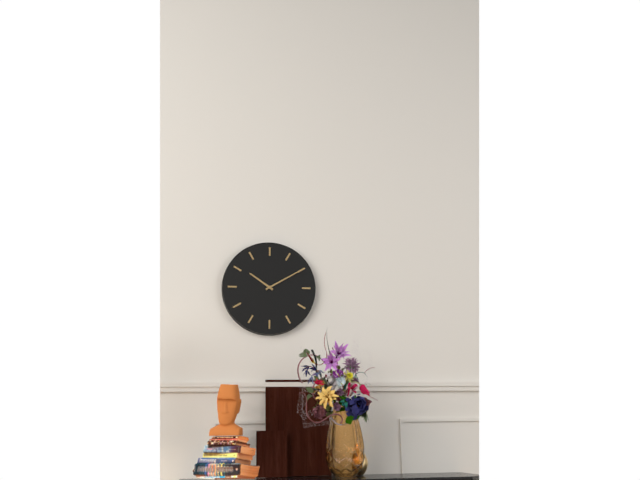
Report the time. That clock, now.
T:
10:10
